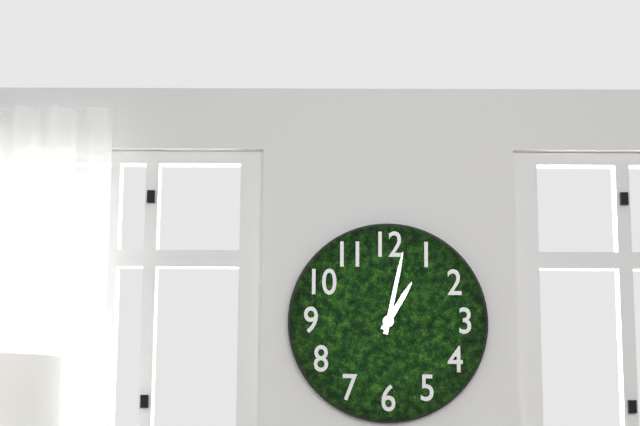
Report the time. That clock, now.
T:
1:02
